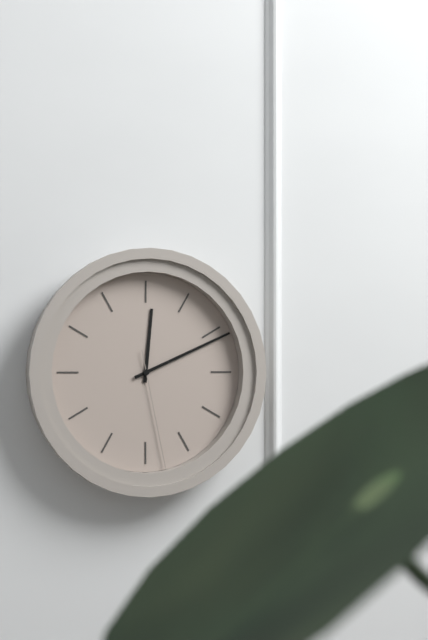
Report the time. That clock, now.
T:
12:11:28
